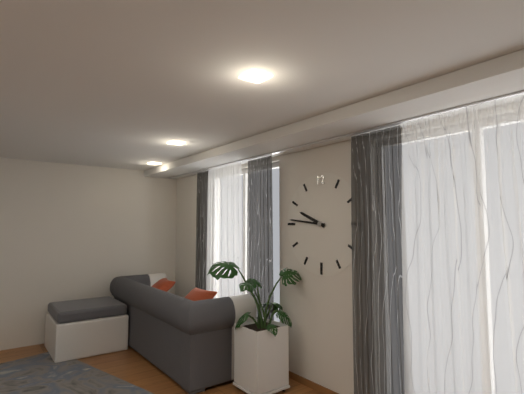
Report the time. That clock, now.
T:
9:46
